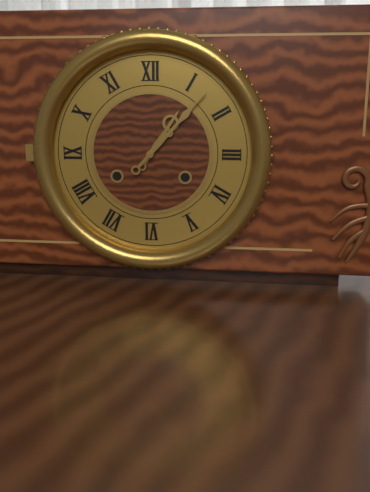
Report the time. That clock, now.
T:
1:07
